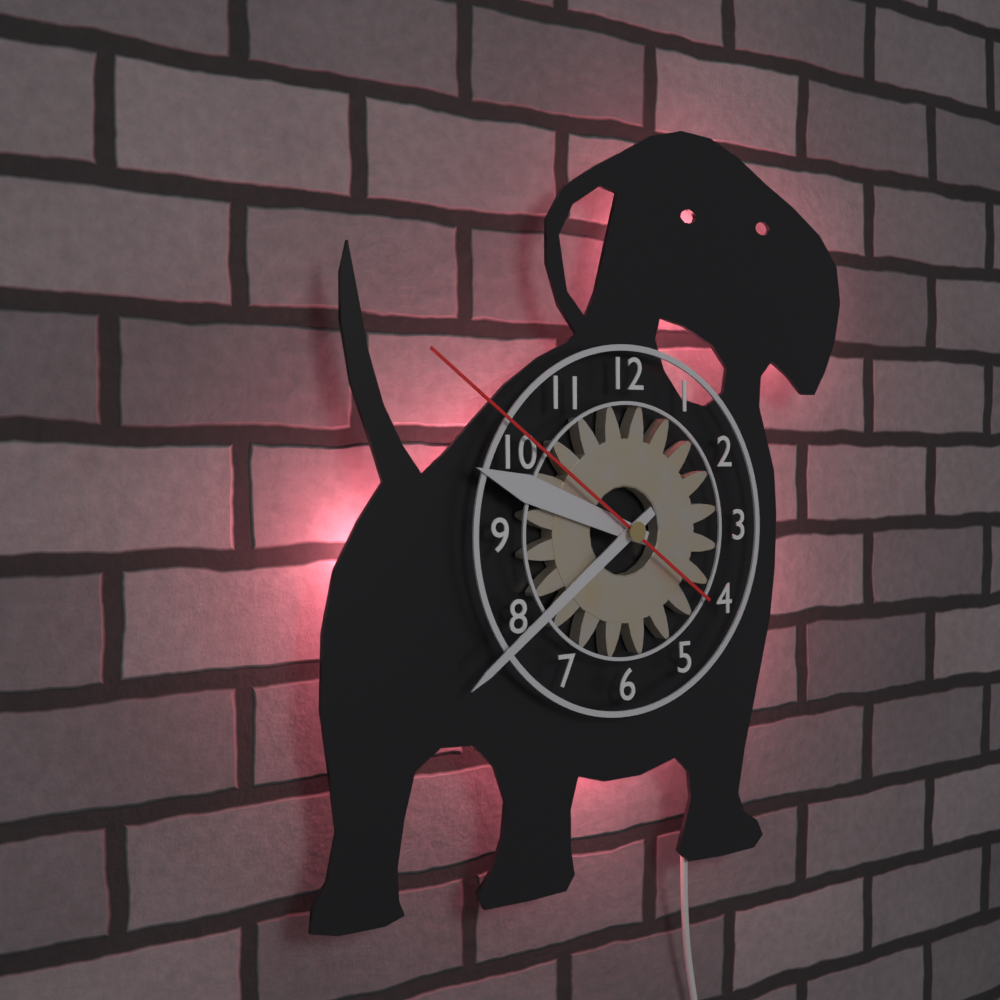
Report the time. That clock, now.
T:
9:39:51
